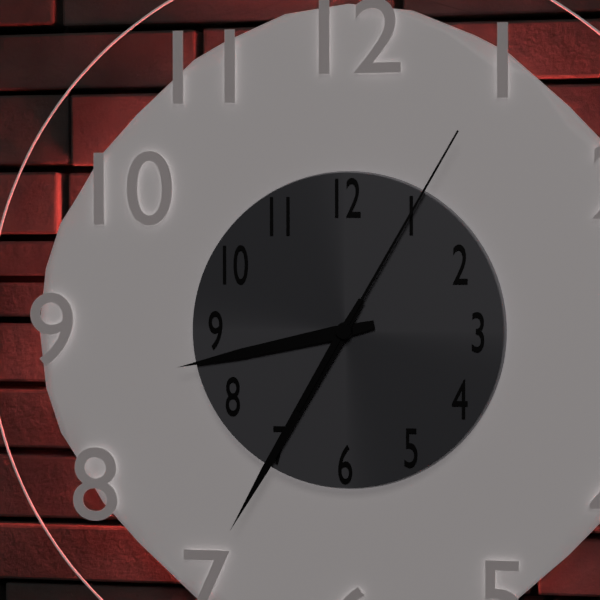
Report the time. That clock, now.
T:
8:35:05
